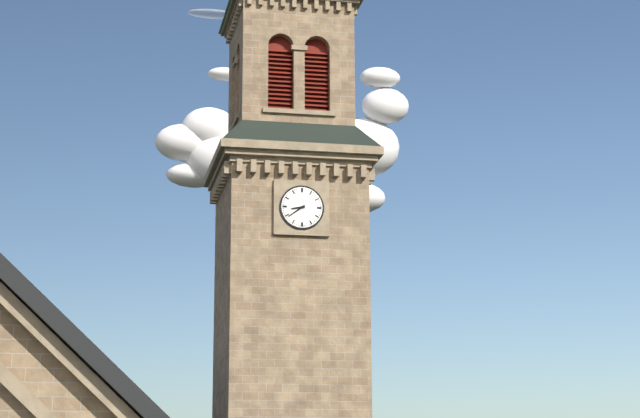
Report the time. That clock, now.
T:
8:39
